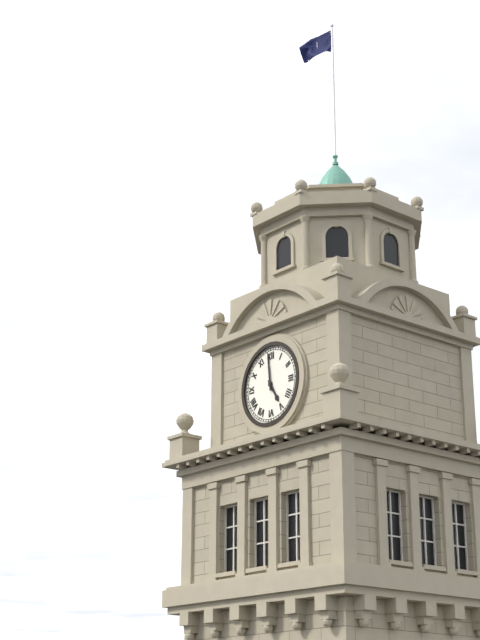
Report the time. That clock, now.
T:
4:59
